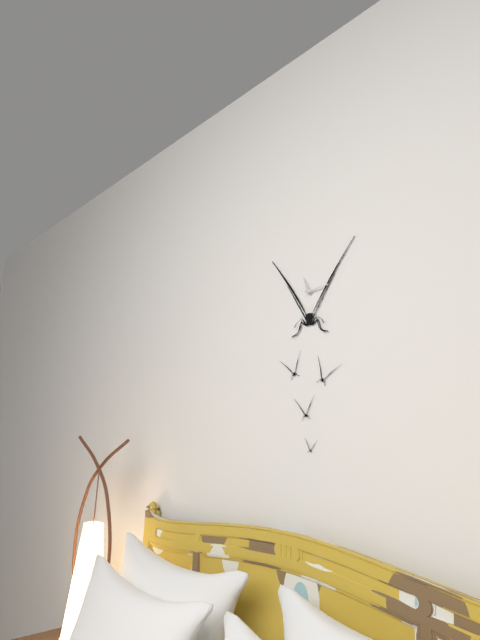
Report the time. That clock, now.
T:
11:14
